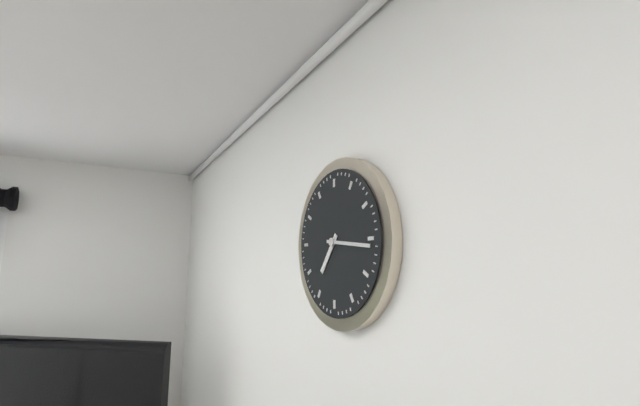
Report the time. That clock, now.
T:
7:16
